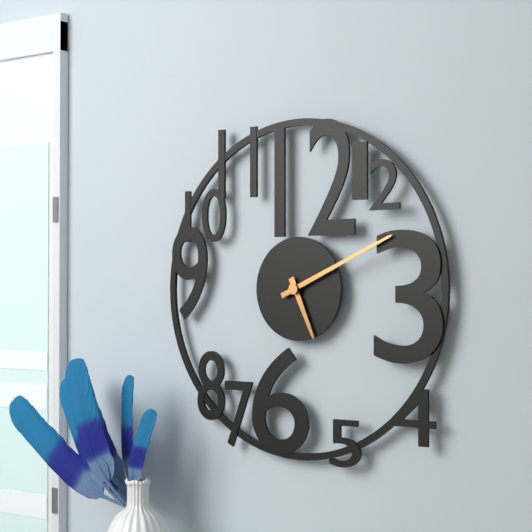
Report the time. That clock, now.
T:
5:11
